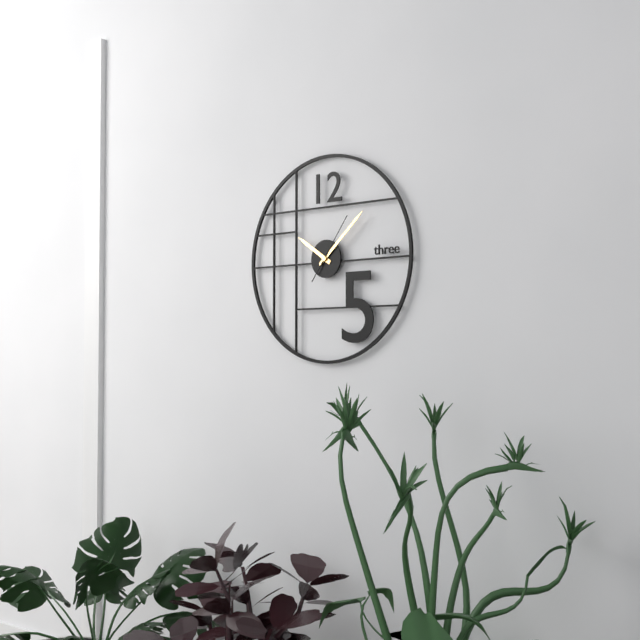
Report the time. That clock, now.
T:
10:08:06
